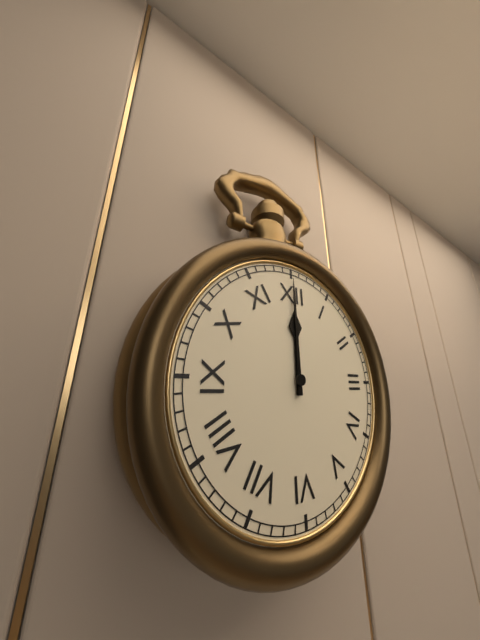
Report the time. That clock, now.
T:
12:00
